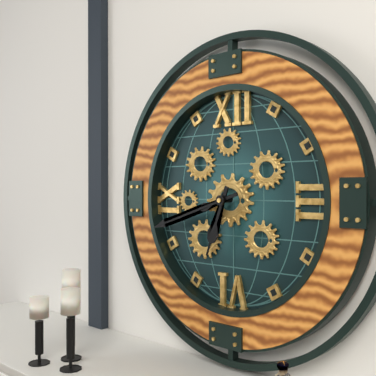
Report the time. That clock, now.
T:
6:42
